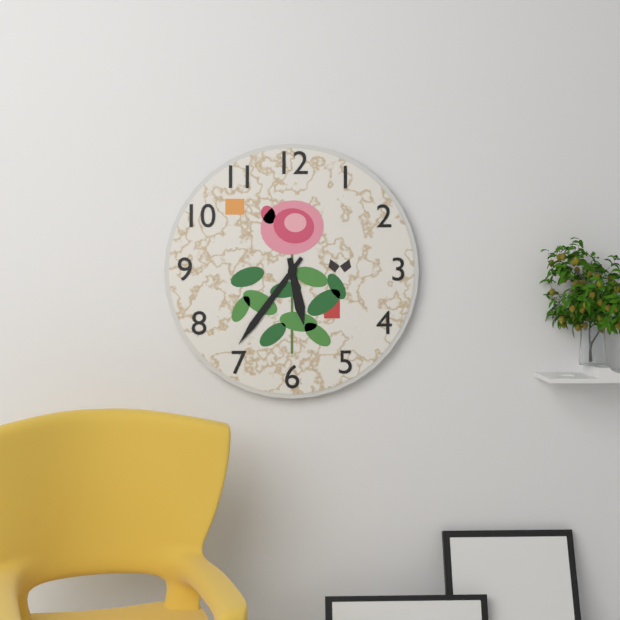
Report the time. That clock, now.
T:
5:36
